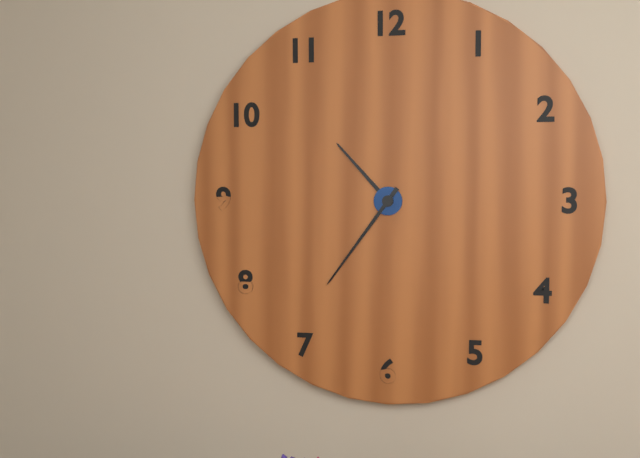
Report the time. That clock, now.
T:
10:36
